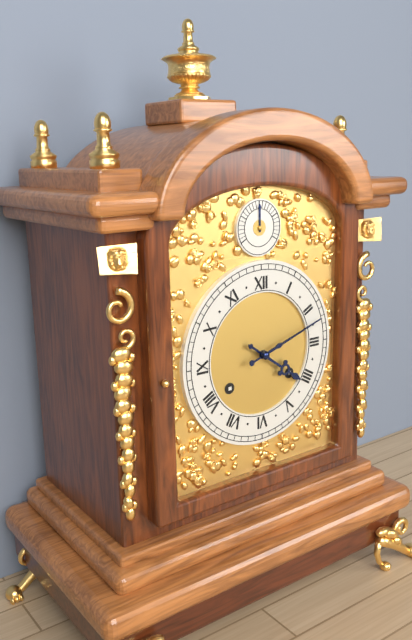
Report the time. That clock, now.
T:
4:12
